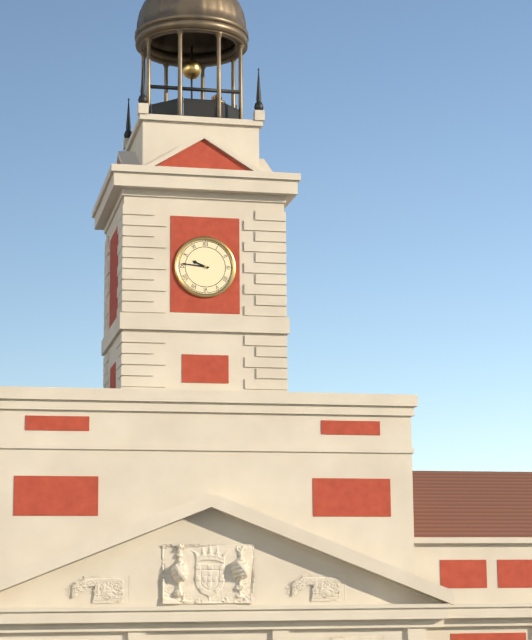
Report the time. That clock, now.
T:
9:46
